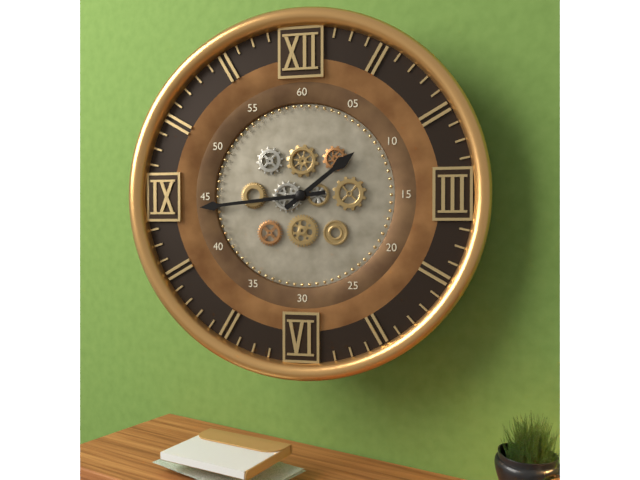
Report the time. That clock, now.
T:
1:44
